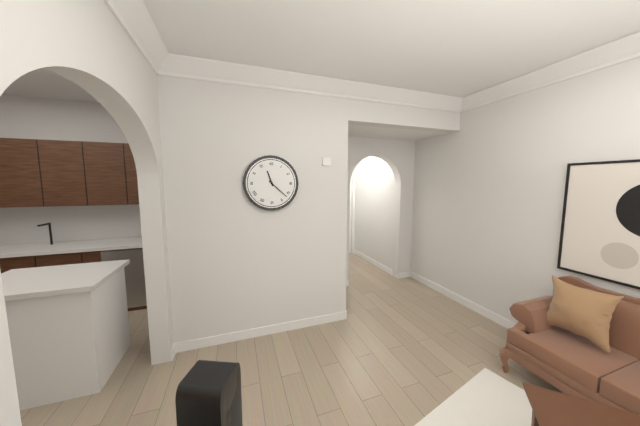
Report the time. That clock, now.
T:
11:22
